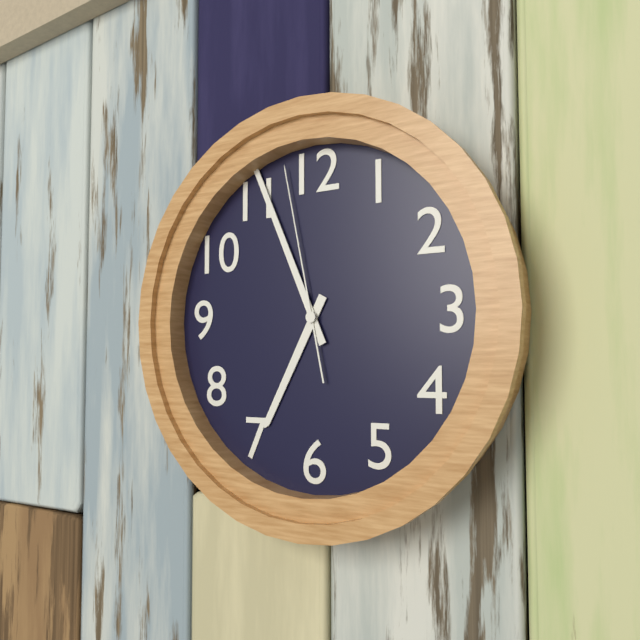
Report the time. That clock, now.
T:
6:56:58
